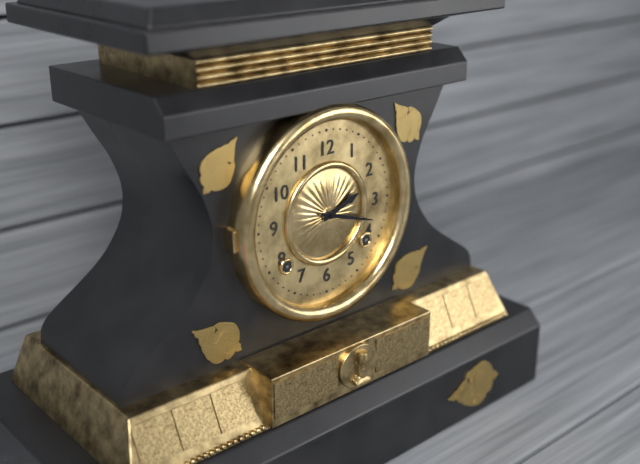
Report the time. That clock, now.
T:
2:18
